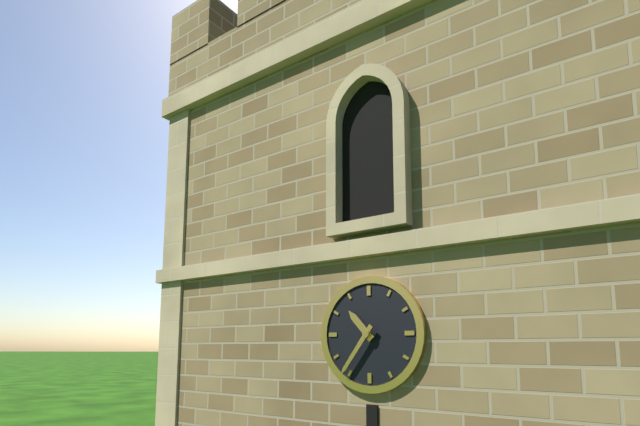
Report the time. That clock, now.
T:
10:36
